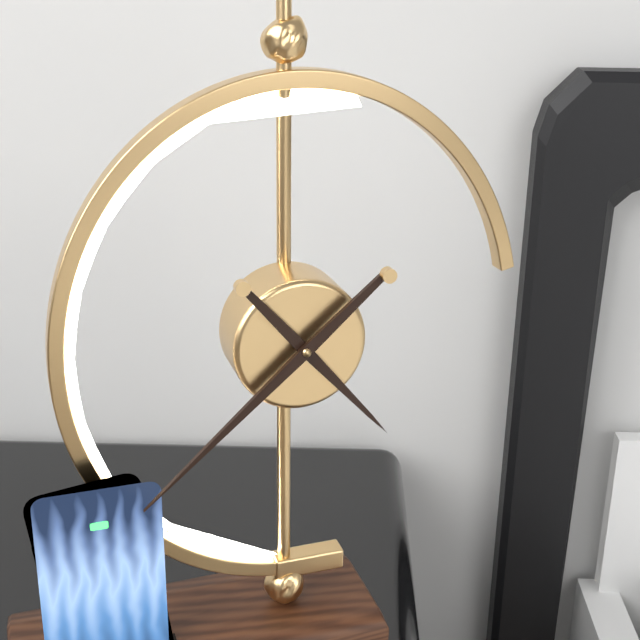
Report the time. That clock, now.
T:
4:38
